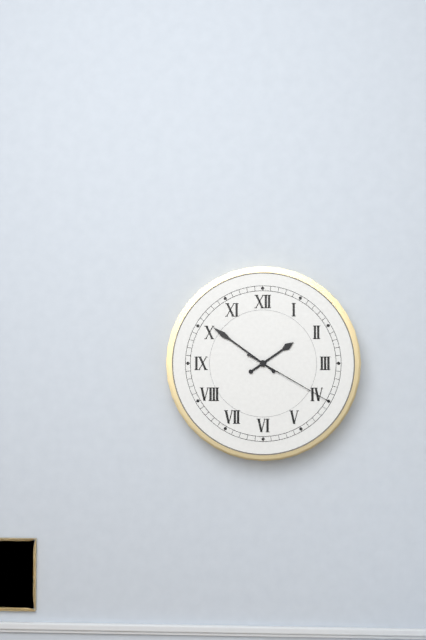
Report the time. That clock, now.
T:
1:51:20
